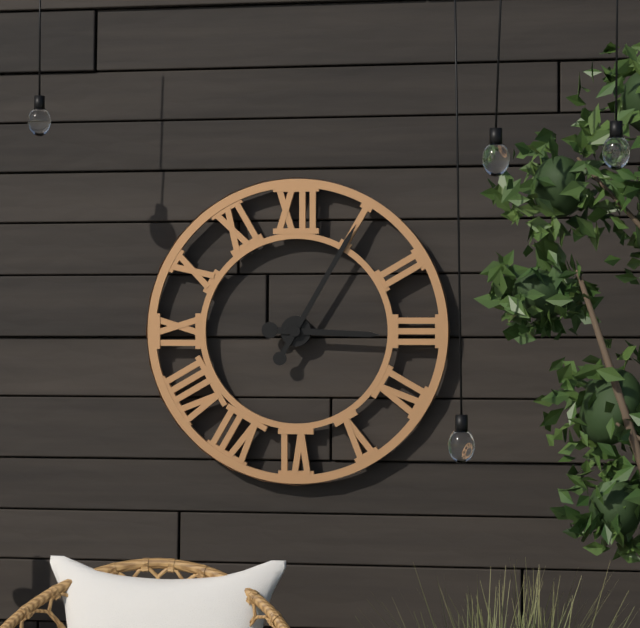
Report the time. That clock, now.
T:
3:05
